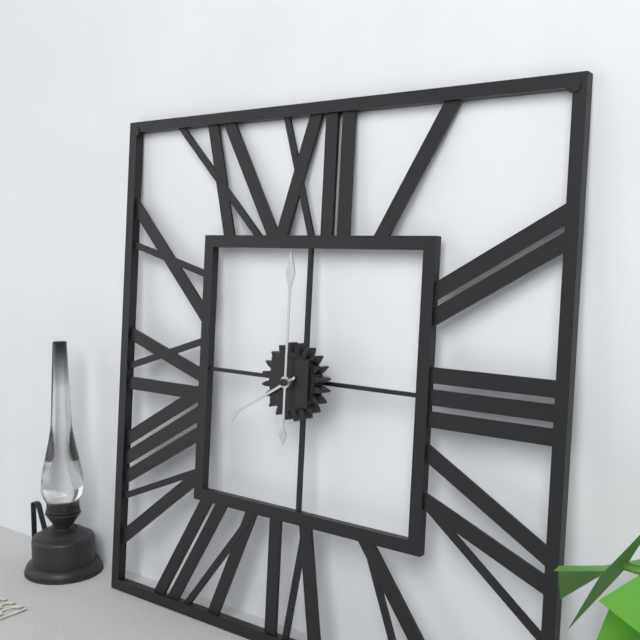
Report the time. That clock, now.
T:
8:00
